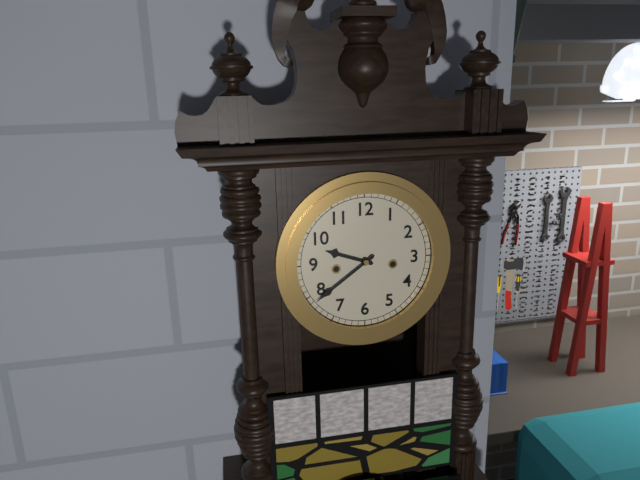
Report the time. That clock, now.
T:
9:39
